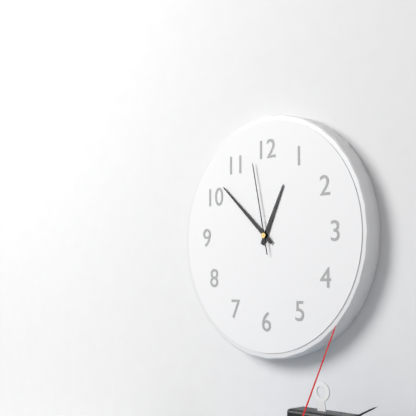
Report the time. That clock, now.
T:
12:52:58
